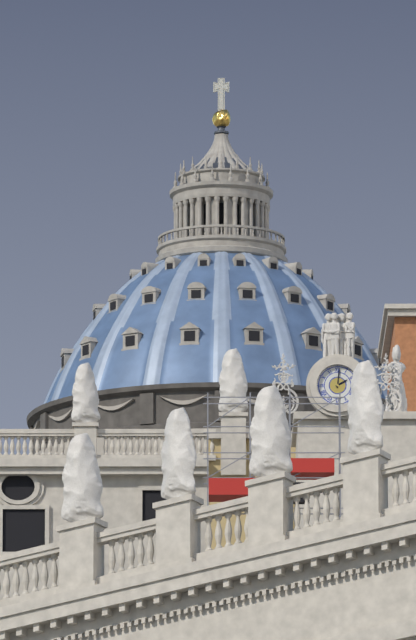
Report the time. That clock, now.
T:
2:01
